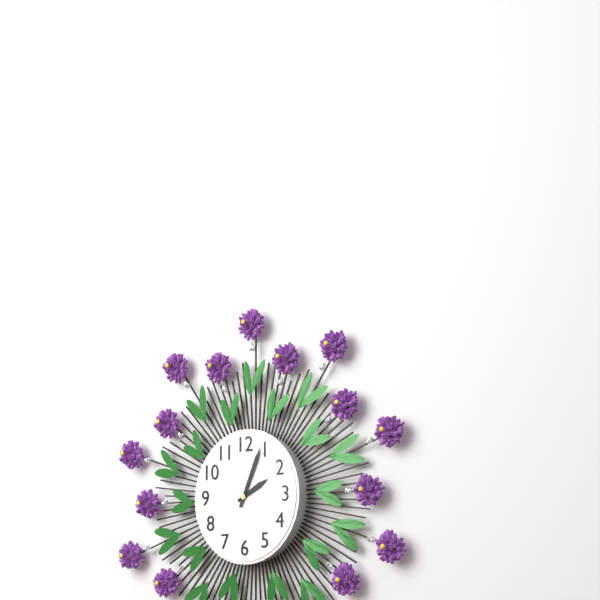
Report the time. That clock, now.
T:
2:04
